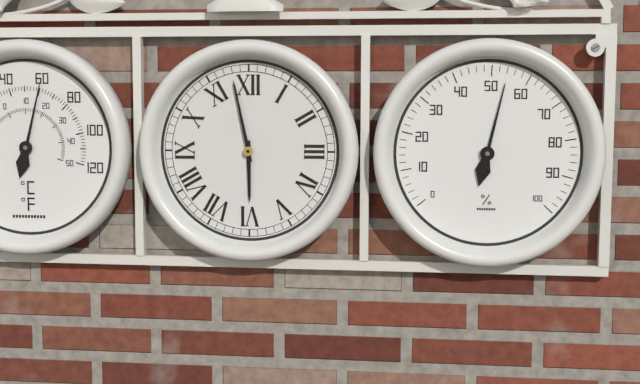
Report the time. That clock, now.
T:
5:58
